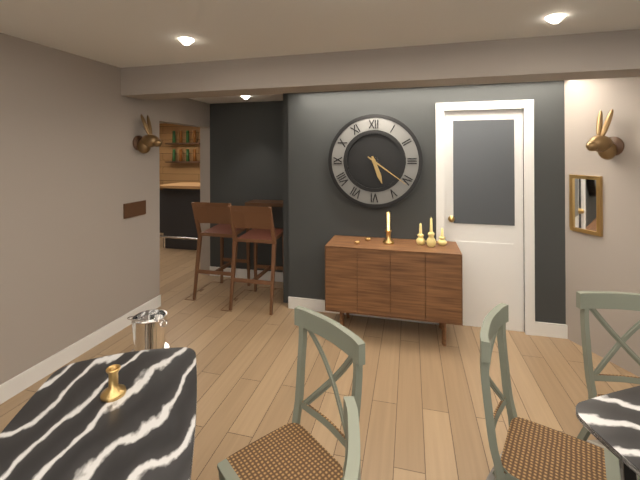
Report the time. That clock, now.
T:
5:21
